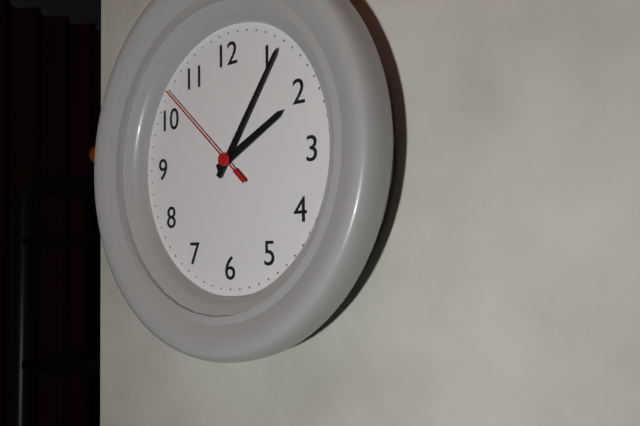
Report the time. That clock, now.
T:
2:06:52
